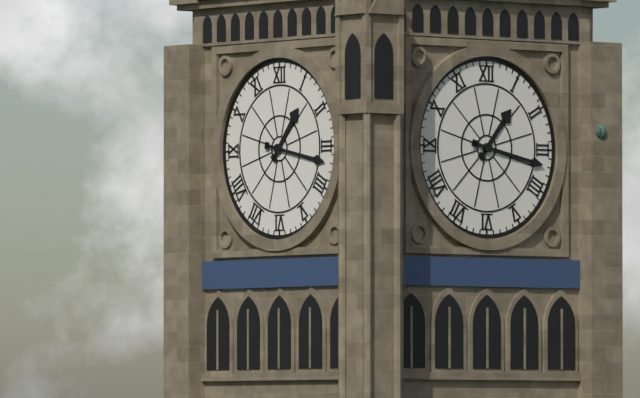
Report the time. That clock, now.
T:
1:17
